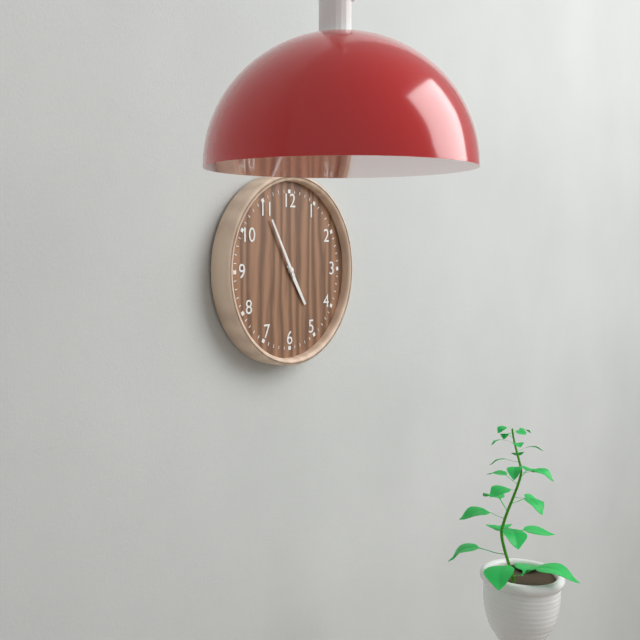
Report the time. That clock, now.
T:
4:55
